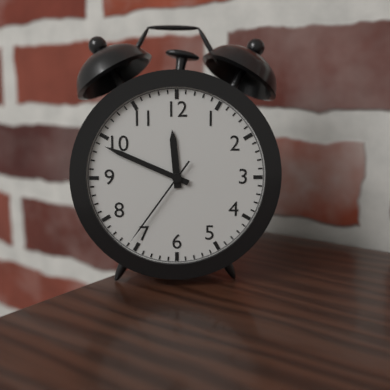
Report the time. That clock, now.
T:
11:49:36
